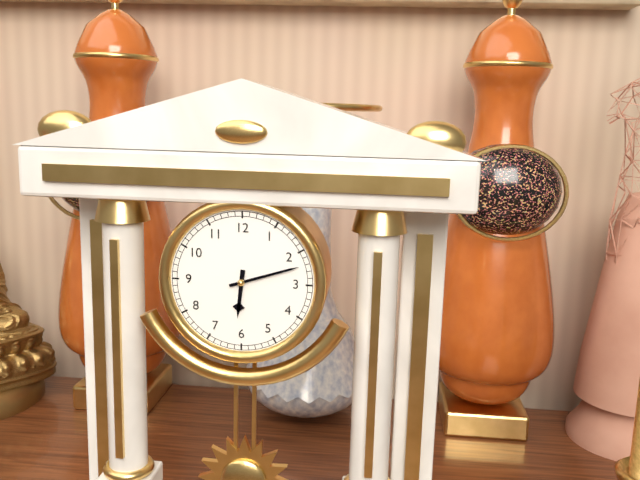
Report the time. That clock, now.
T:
6:12
